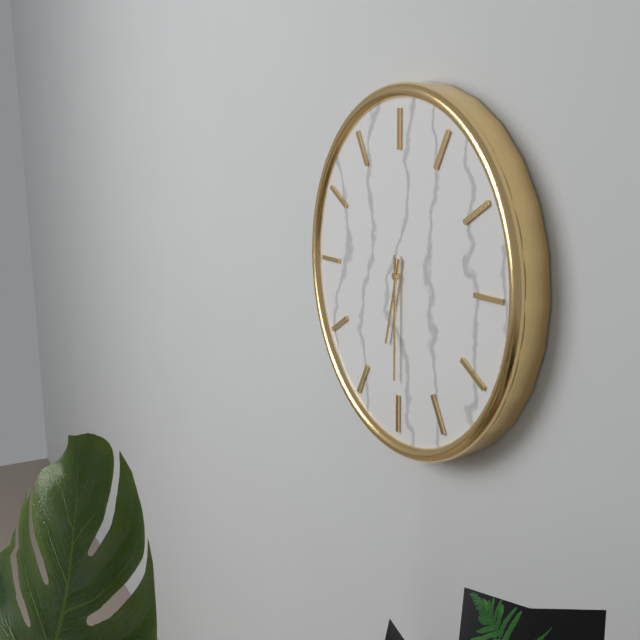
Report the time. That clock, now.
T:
6:30
